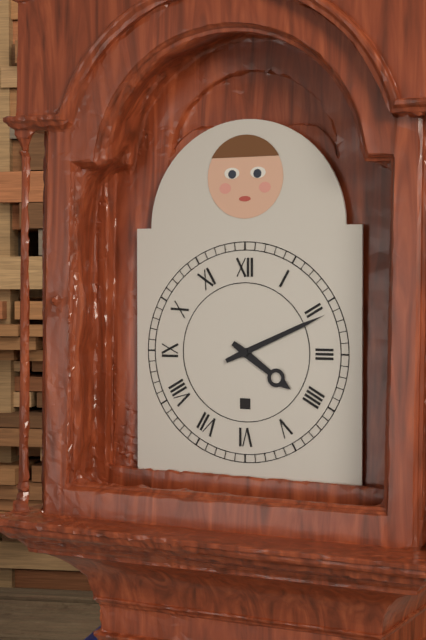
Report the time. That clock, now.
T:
4:11
